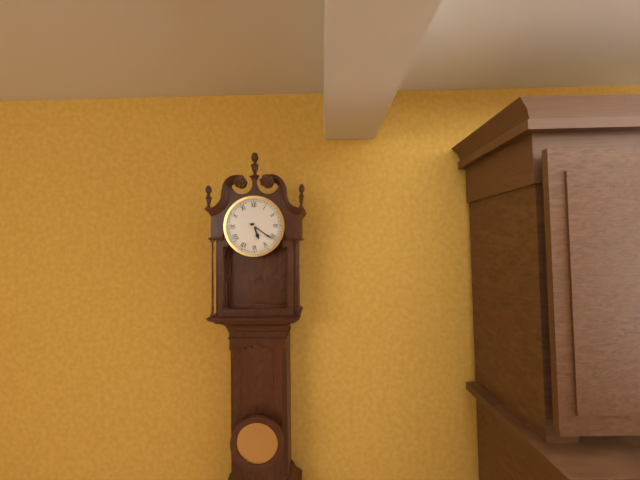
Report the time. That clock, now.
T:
5:21
